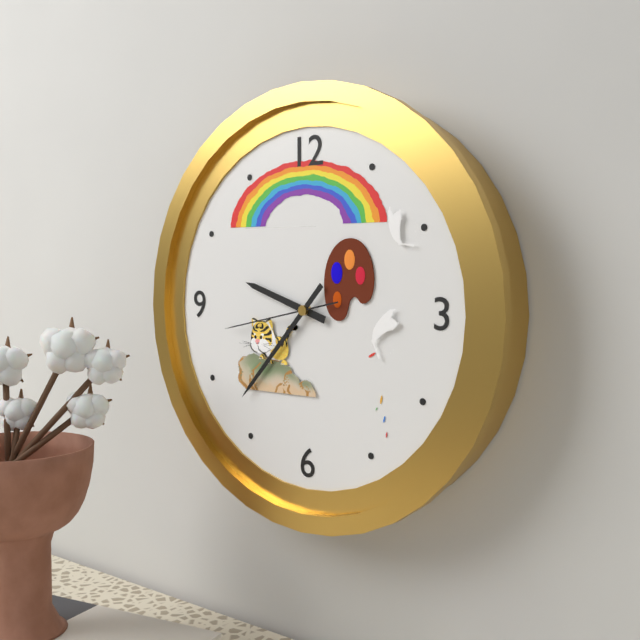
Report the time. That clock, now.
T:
9:37:43
